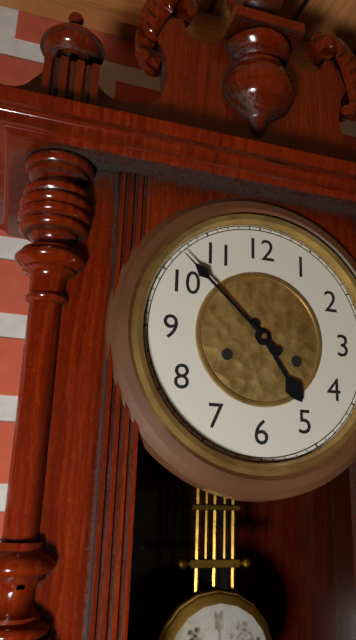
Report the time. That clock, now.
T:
4:52
